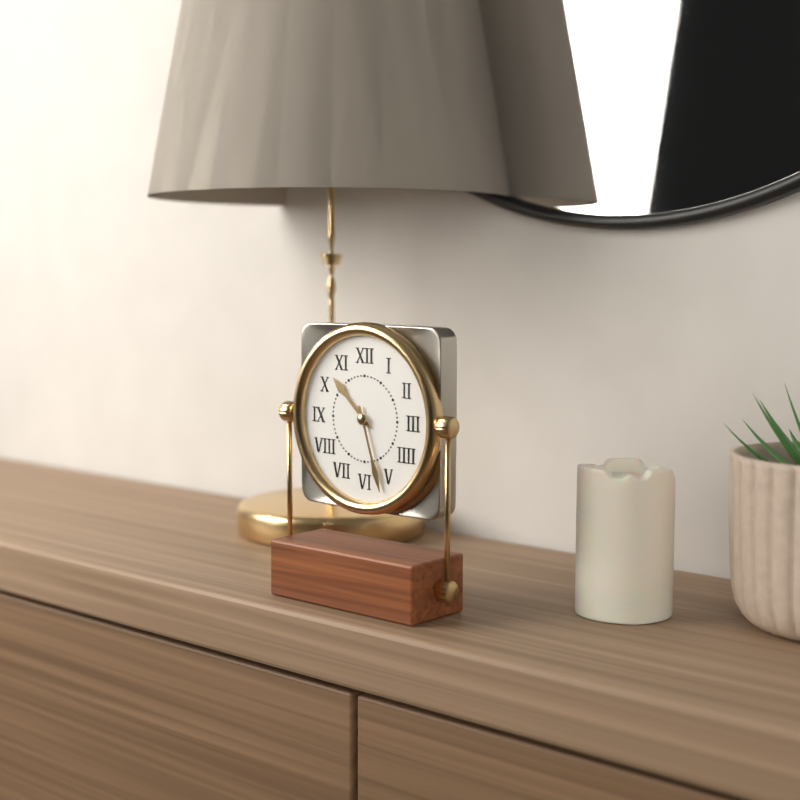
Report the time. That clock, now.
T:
10:27
